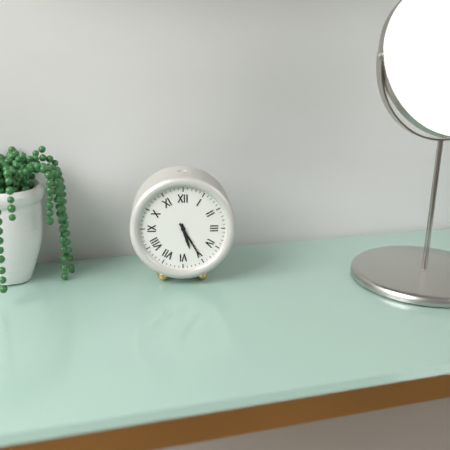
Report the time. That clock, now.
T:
5:25
